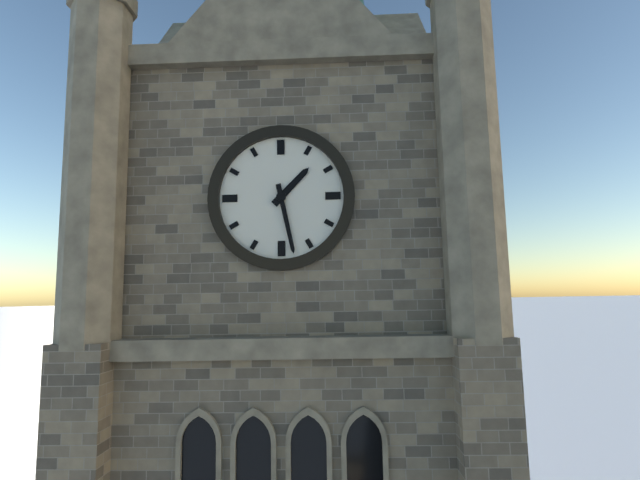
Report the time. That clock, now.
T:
1:28
